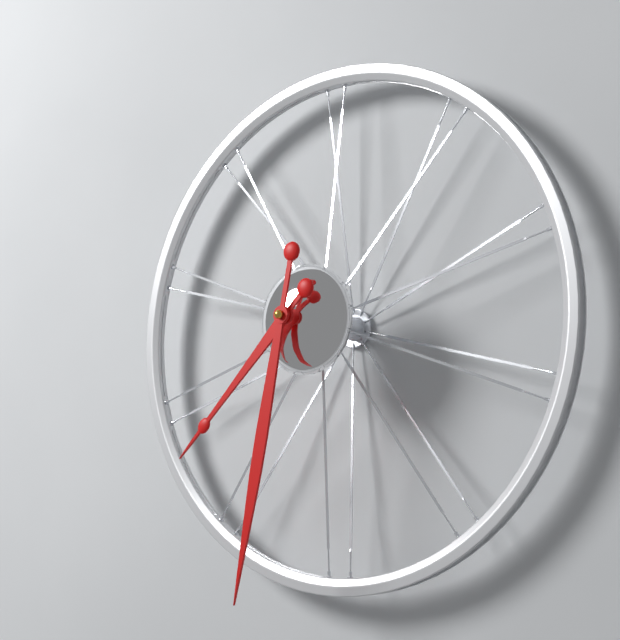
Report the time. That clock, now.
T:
7:32
